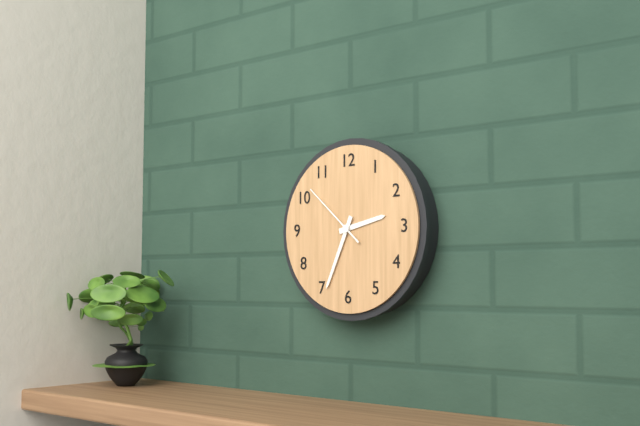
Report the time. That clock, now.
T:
2:34:52
